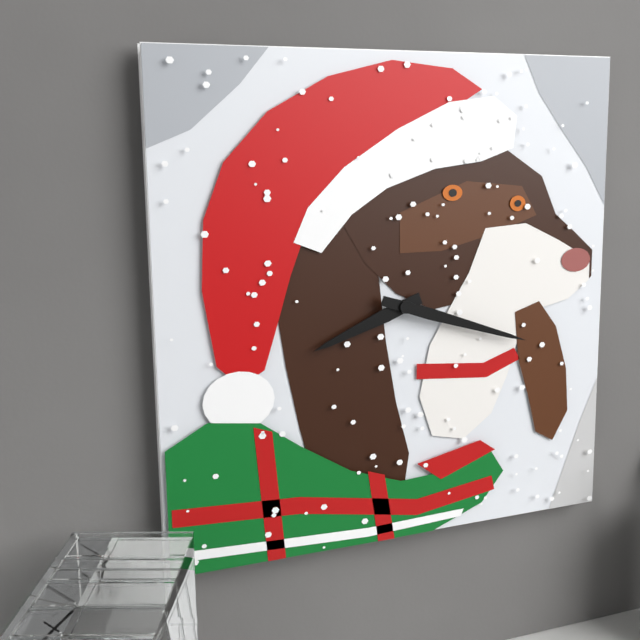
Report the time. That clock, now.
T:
8:18
